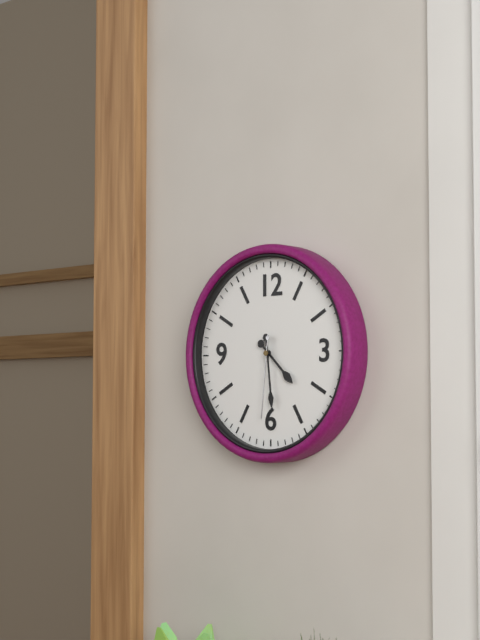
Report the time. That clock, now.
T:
4:29:31
